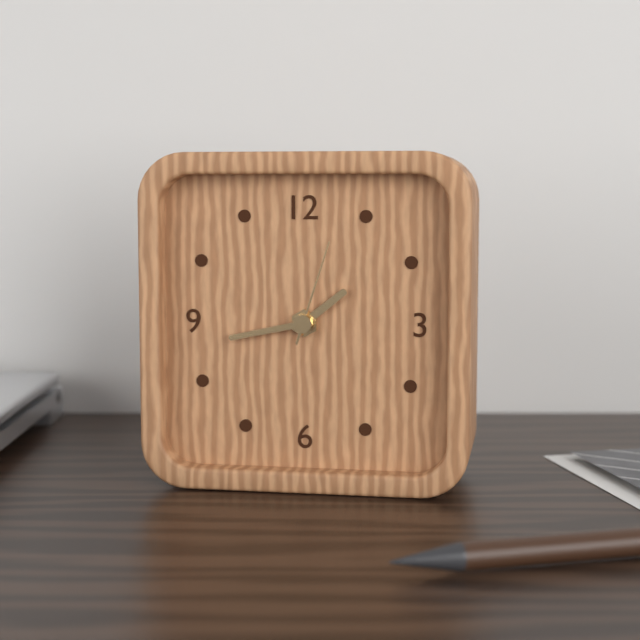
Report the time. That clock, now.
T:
1:43:03
